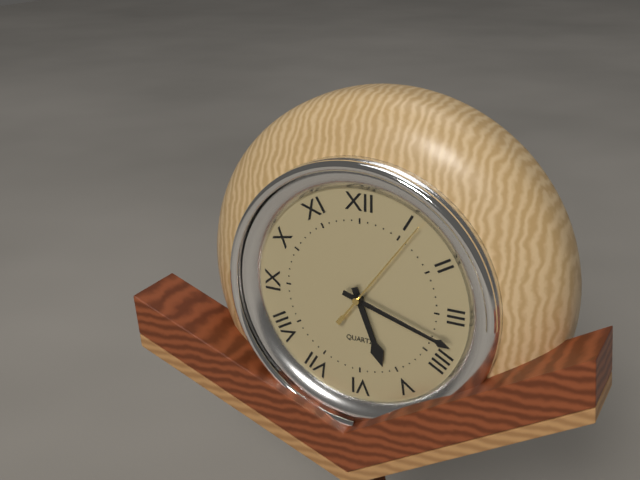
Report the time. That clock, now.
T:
5:18:06
